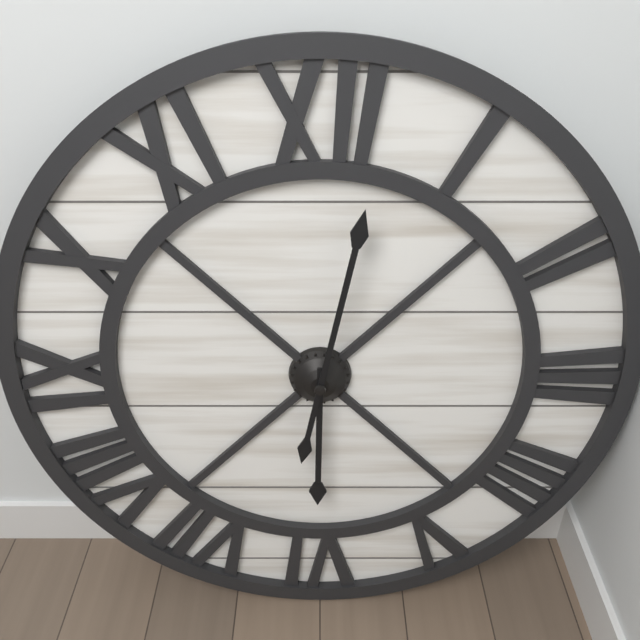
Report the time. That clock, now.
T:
6:02
